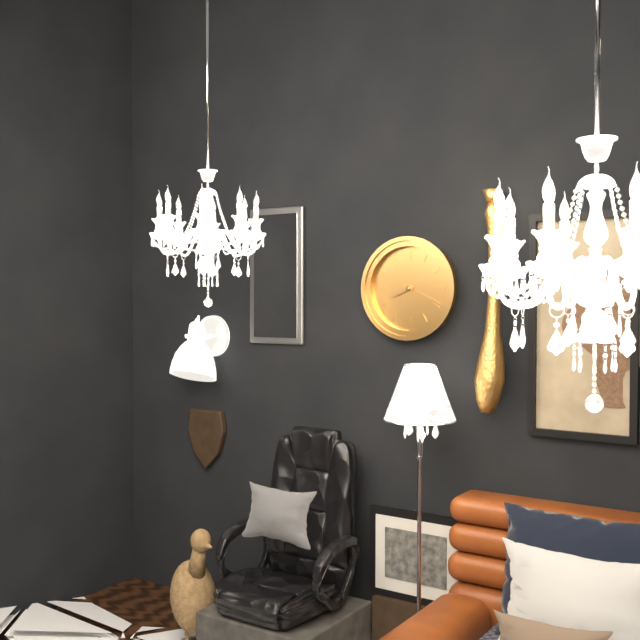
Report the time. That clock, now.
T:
8:19
